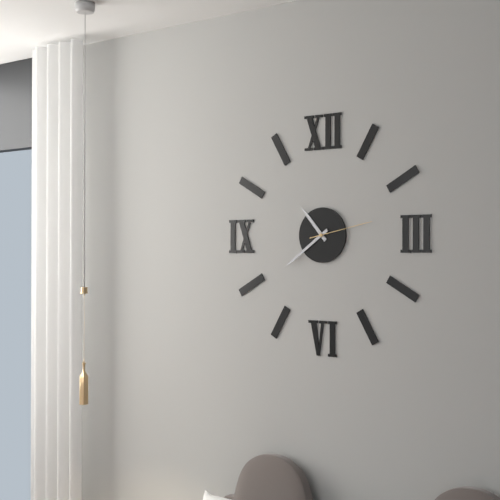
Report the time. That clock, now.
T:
10:39:13
